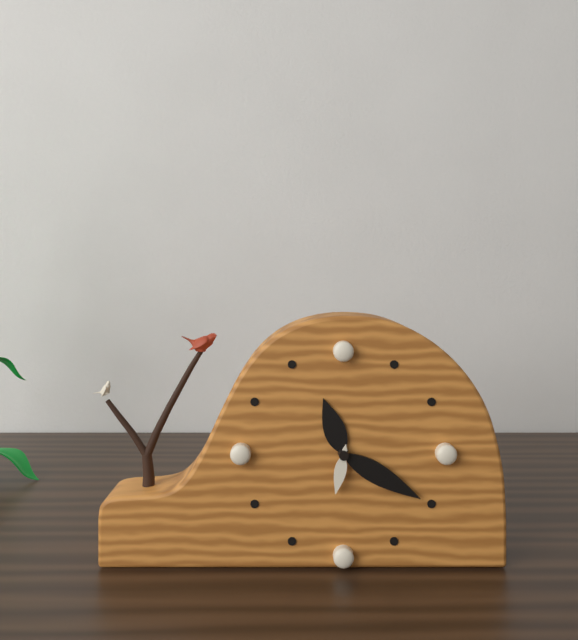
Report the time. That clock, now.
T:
11:20:32
